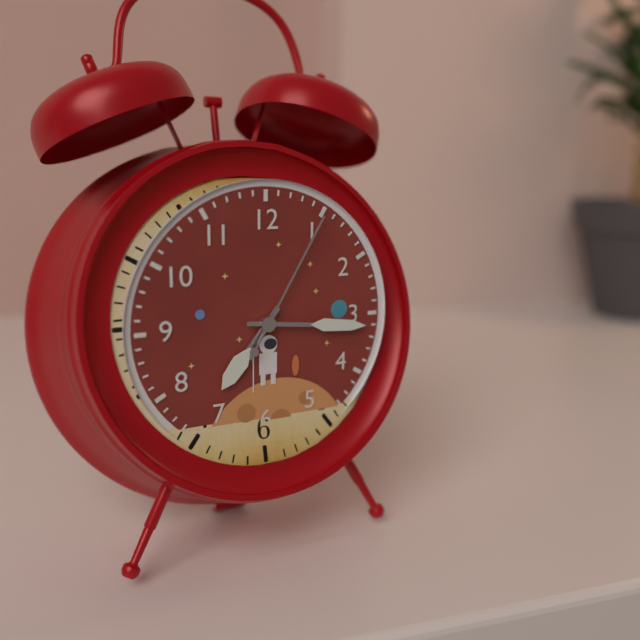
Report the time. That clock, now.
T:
7:16:05
